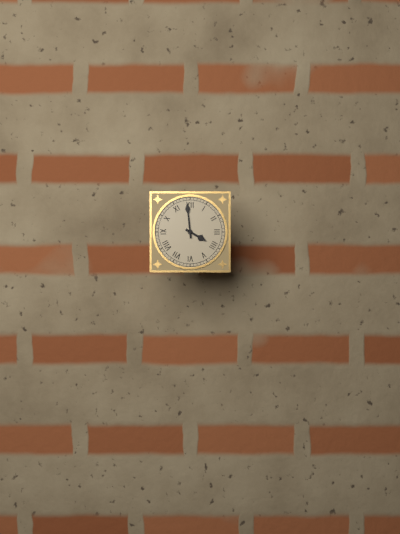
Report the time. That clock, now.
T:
3:59
